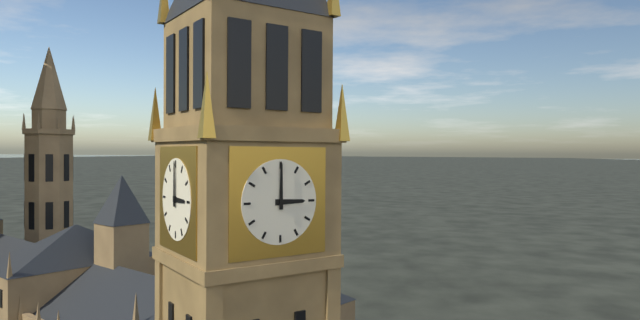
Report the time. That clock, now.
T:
3:00
